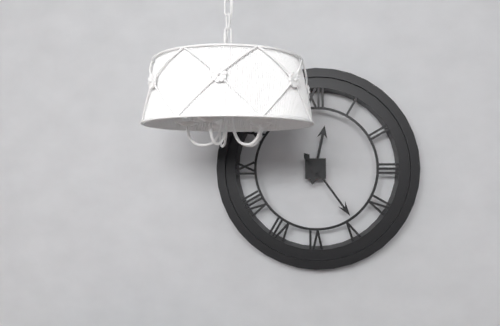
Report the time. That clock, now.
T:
12:24
